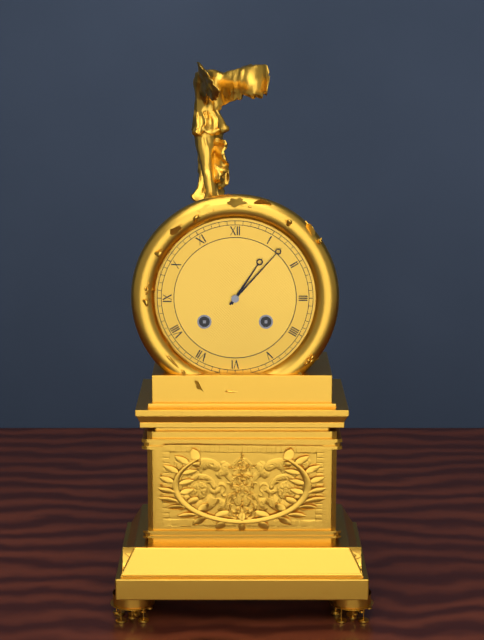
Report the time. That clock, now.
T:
1:07
